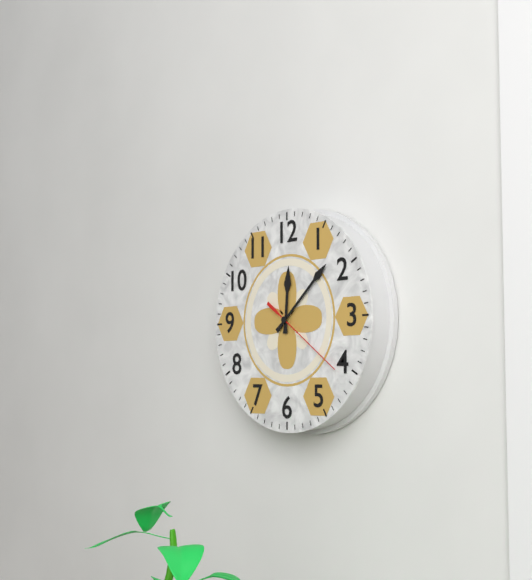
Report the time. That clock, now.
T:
12:08:21
